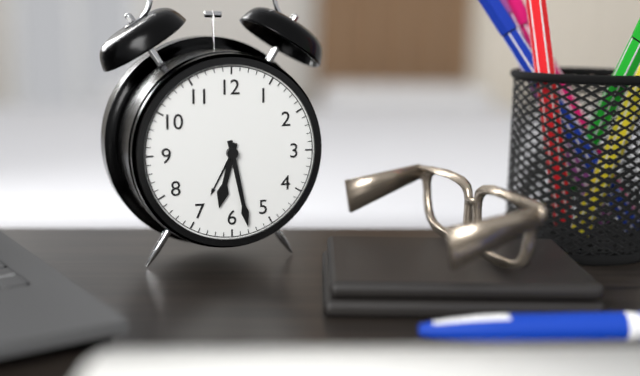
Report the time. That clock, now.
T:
6:28
